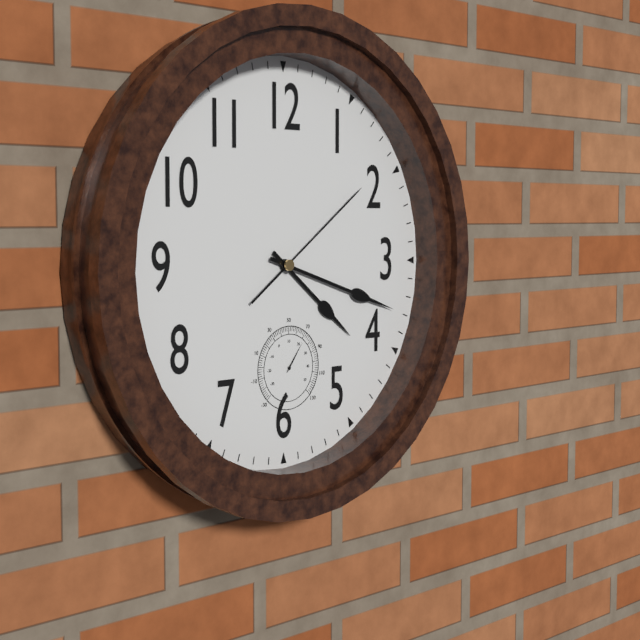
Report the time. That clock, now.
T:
4:18:09
